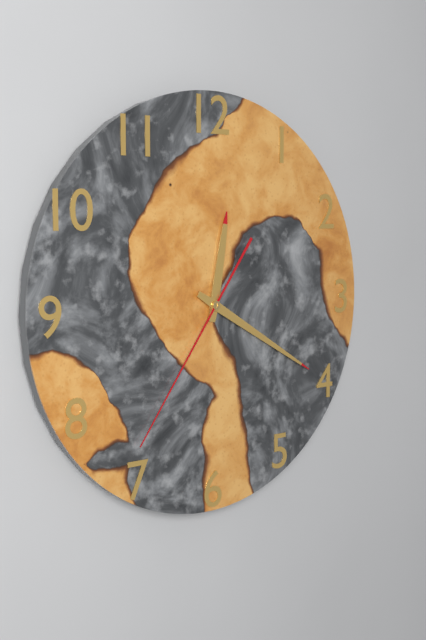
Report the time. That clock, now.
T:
12:20:36
